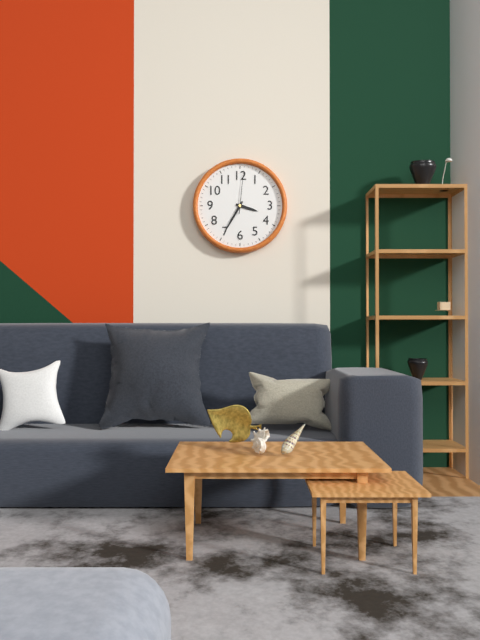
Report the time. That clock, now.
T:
3:35
